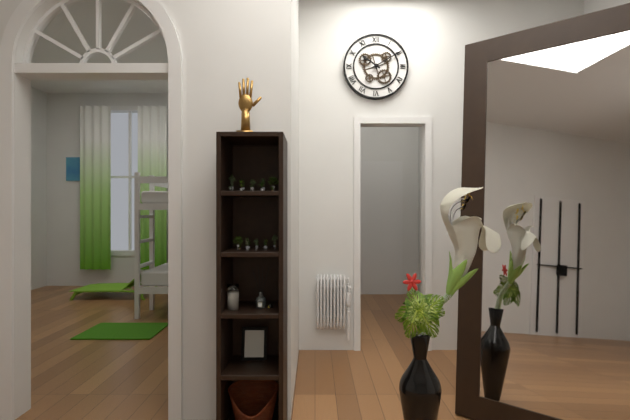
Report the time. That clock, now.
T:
10:10
